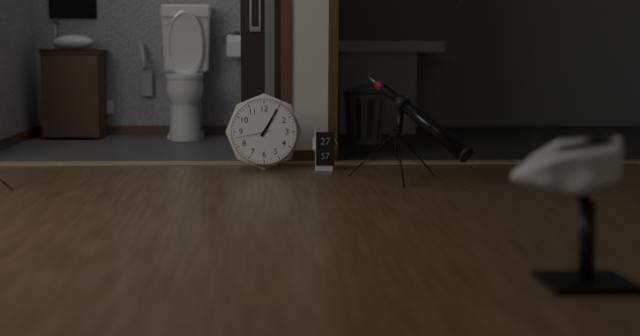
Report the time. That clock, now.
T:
1:05
